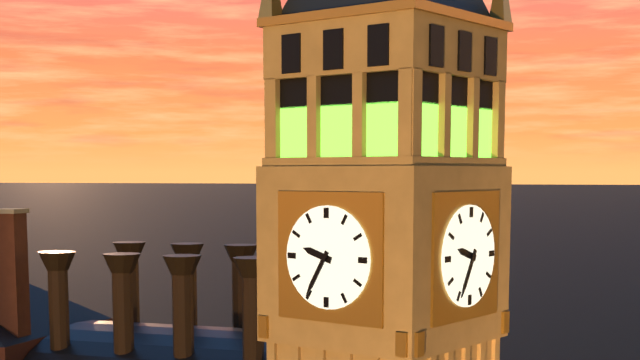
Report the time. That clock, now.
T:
9:35
